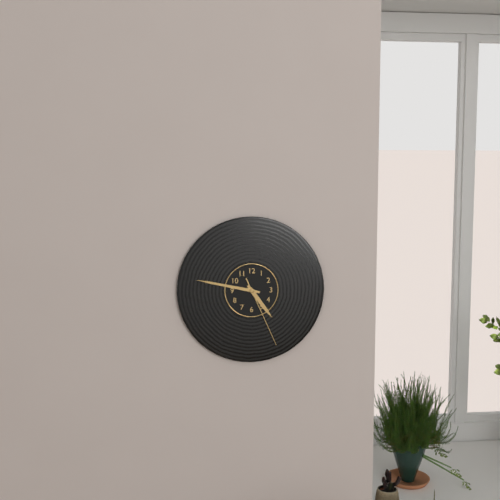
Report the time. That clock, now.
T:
4:47:26
